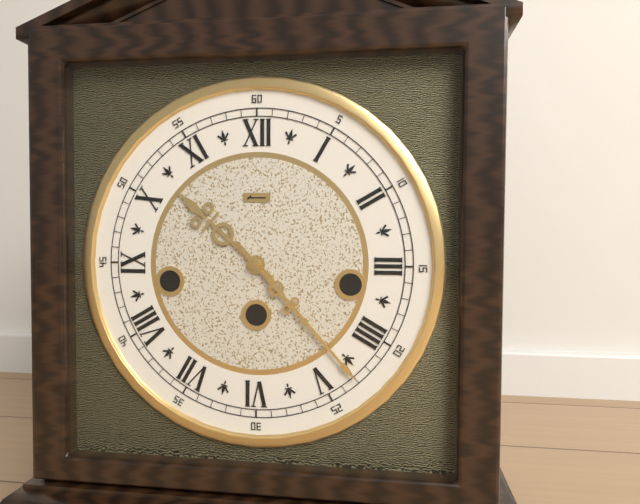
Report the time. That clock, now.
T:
10:23
